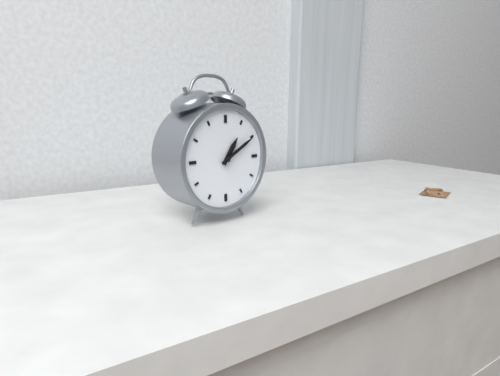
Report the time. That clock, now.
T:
1:10
